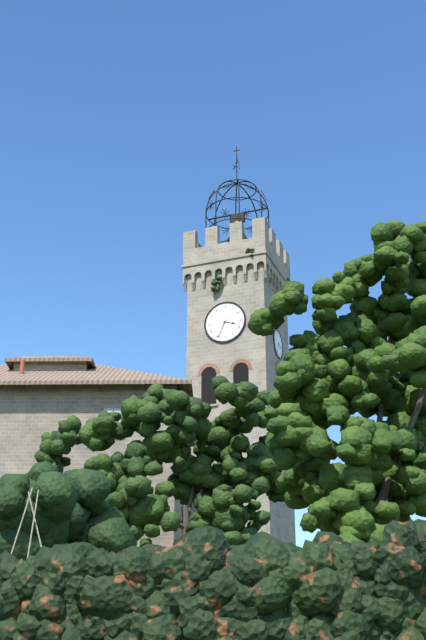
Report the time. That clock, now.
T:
3:34
